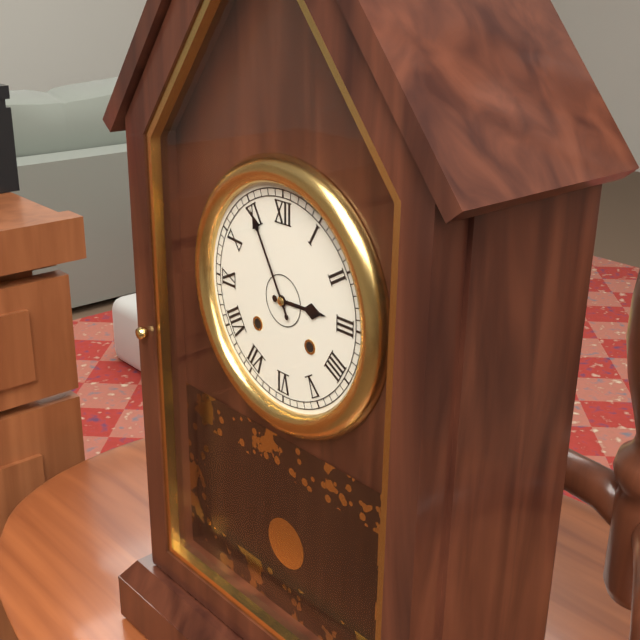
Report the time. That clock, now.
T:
2:55
